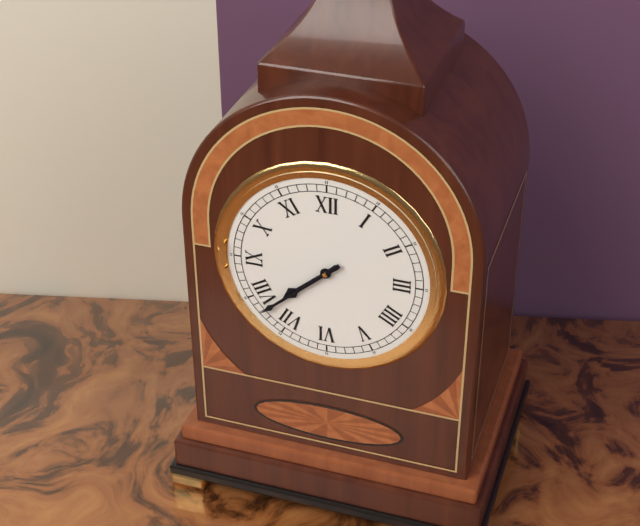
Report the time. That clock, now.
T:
7:38
